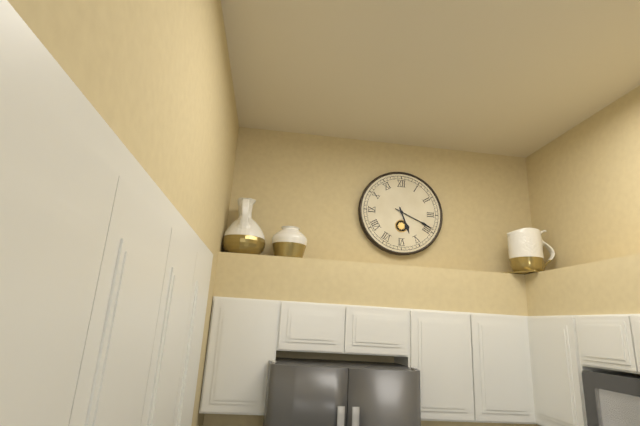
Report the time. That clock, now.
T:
5:19
